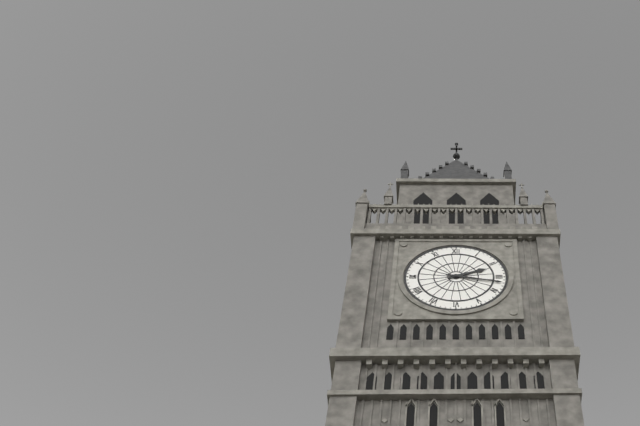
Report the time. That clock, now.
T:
2:17
